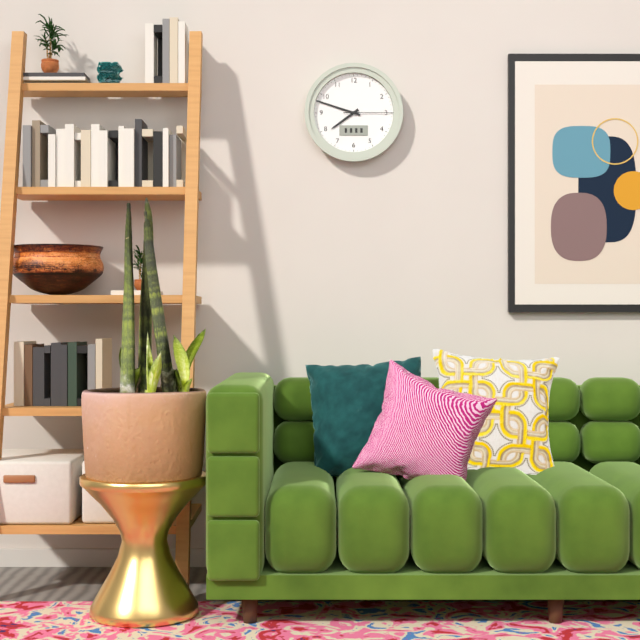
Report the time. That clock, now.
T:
7:48:15
